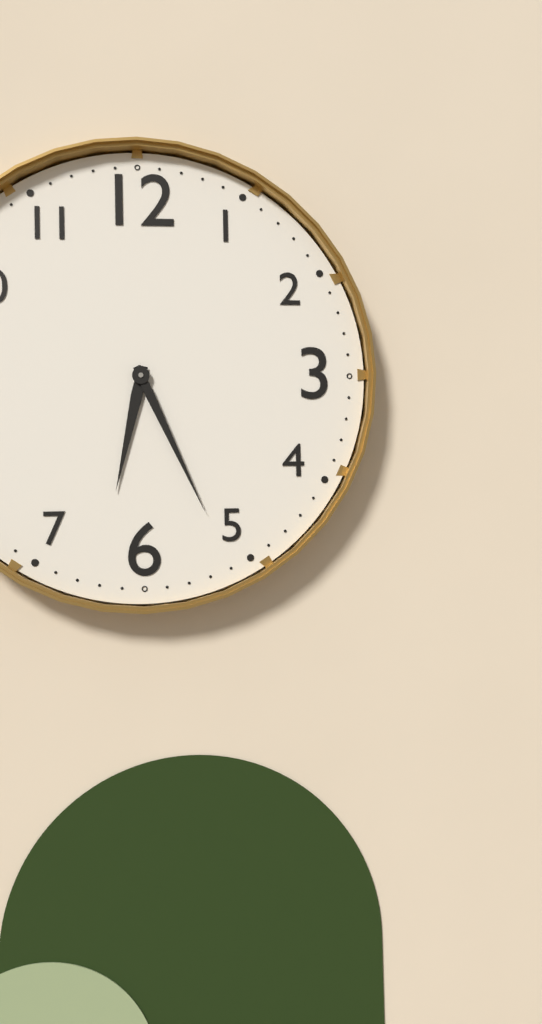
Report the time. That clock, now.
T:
6:26
